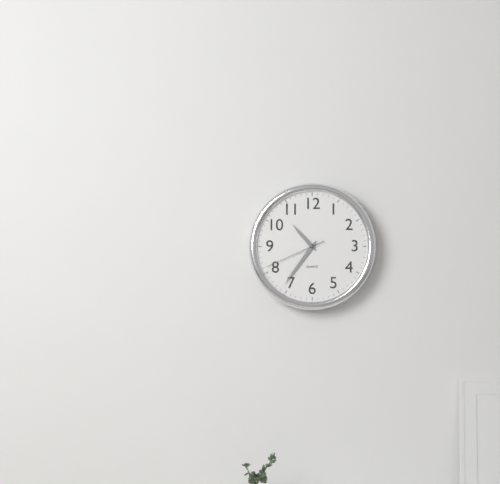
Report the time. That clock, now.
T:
10:36:41
